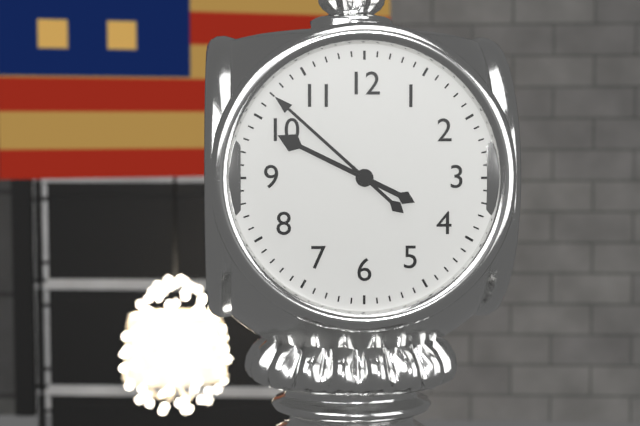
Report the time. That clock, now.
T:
9:52
